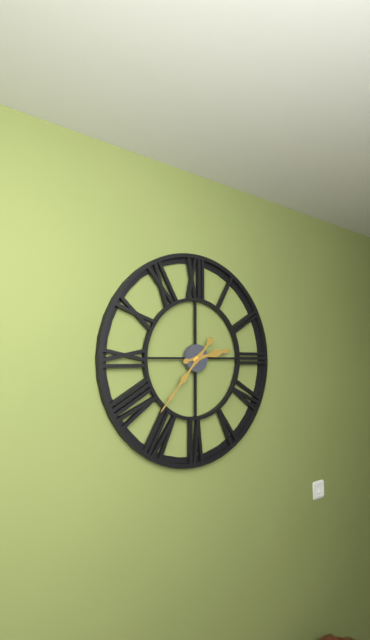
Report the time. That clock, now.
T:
2:37
